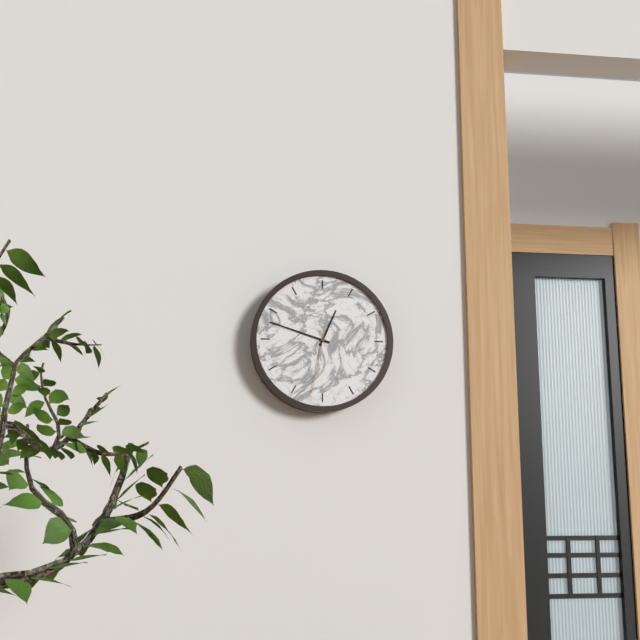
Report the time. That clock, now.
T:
12:48:32
